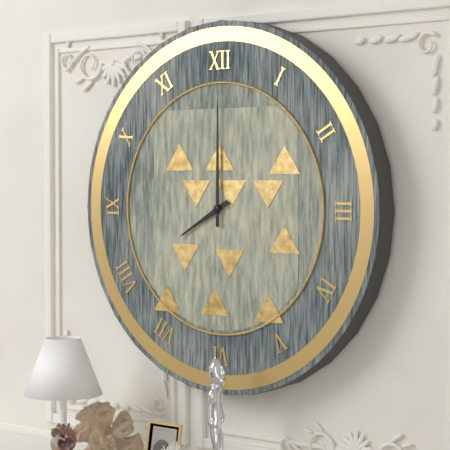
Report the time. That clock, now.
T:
8:00
